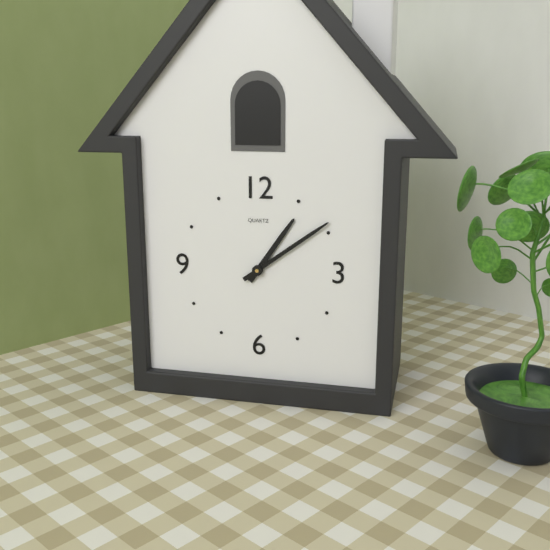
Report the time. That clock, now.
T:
1:09
